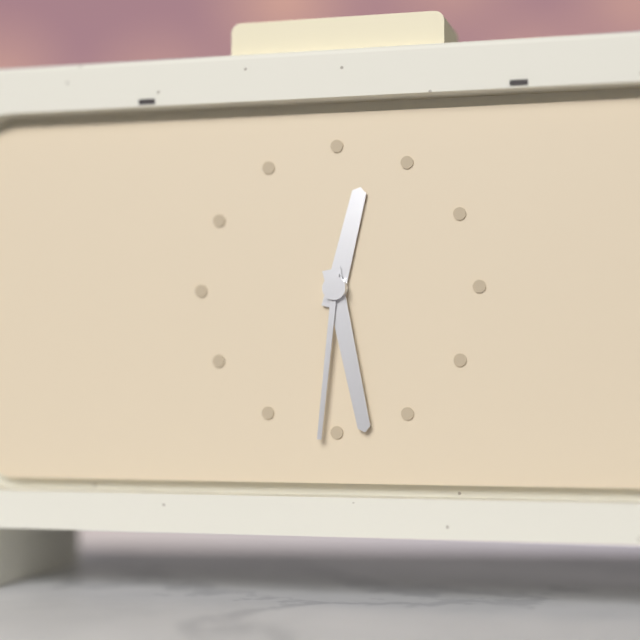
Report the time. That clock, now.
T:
12:28:31
